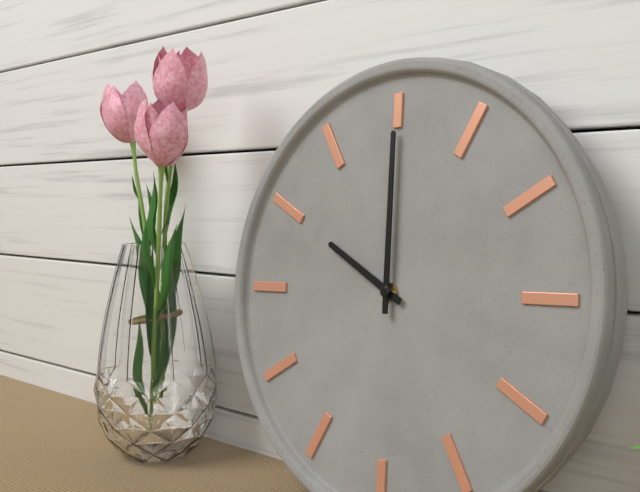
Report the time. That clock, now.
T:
10:00
